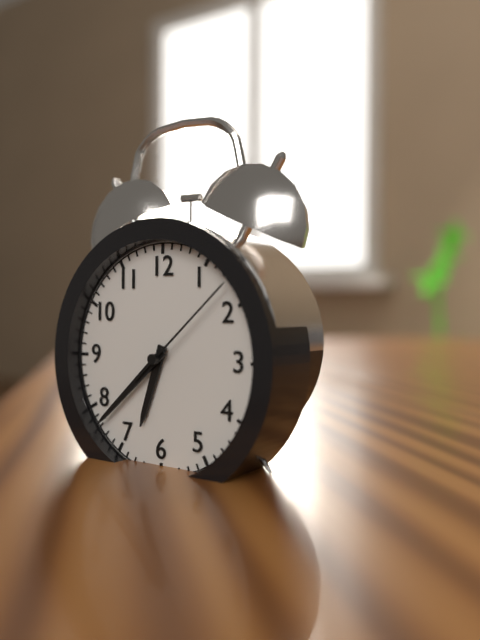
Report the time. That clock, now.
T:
6:38:08
